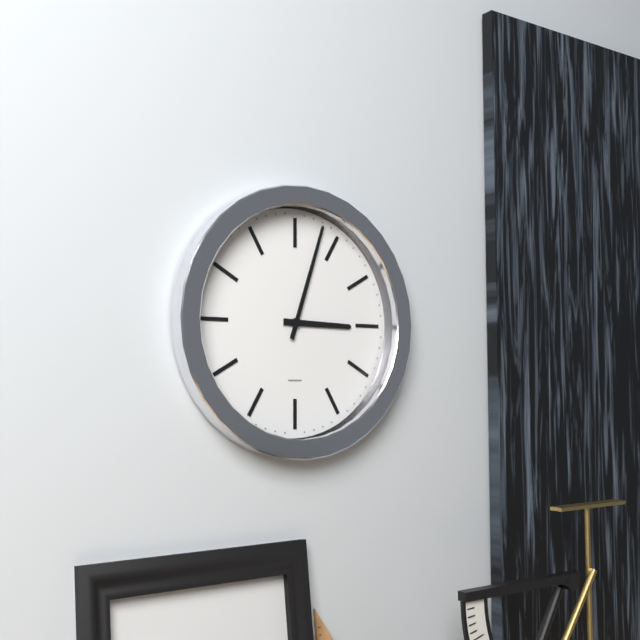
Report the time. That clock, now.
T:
3:03
